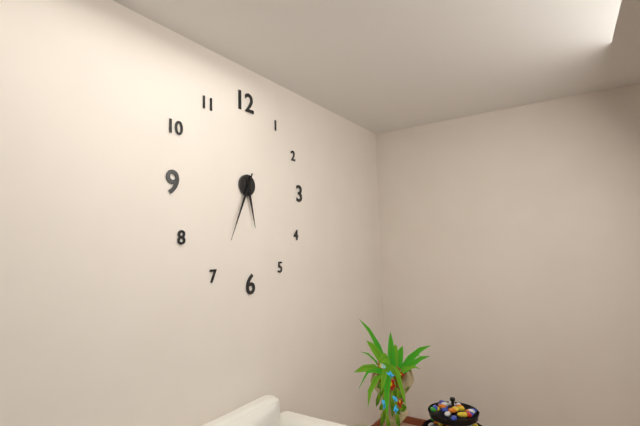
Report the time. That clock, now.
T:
5:34
